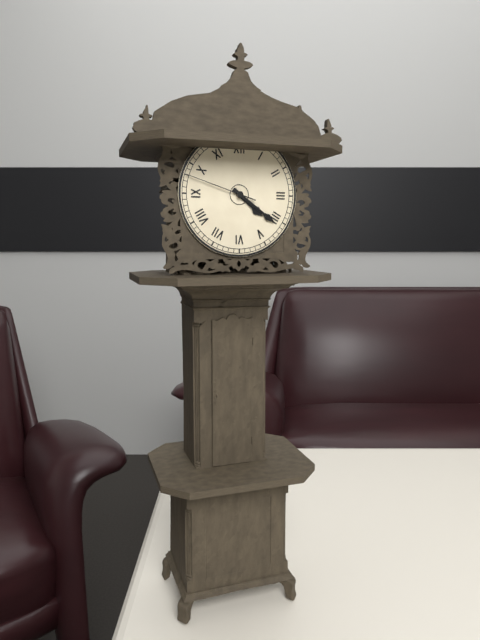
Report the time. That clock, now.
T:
4:21:48
